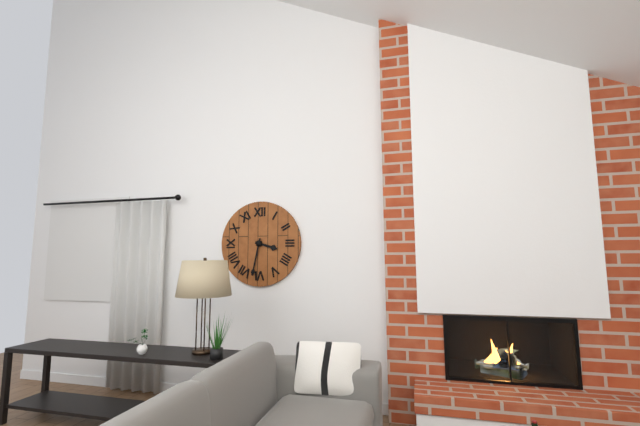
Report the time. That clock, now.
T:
3:32
